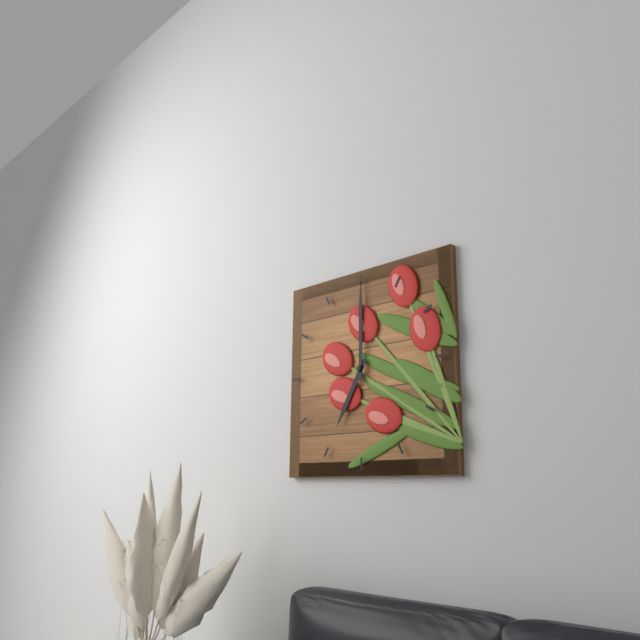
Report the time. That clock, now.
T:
7:00
